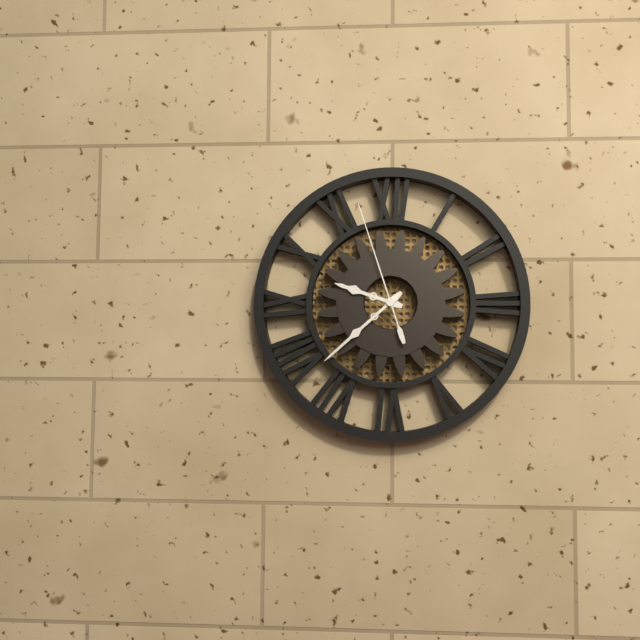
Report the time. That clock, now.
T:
9:38:57
